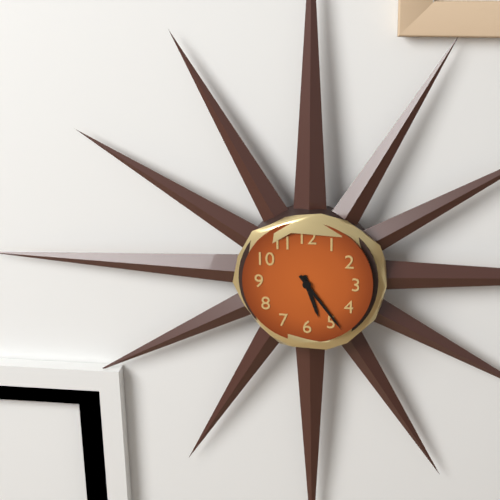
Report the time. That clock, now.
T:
5:24
